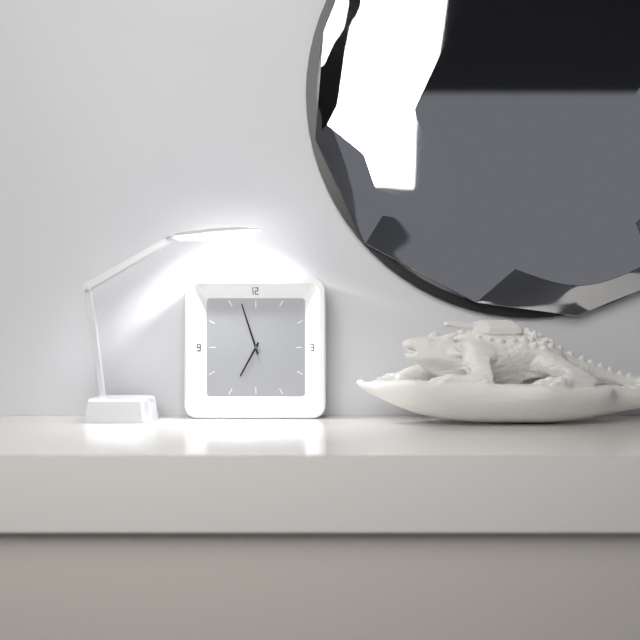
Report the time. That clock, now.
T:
6:57
